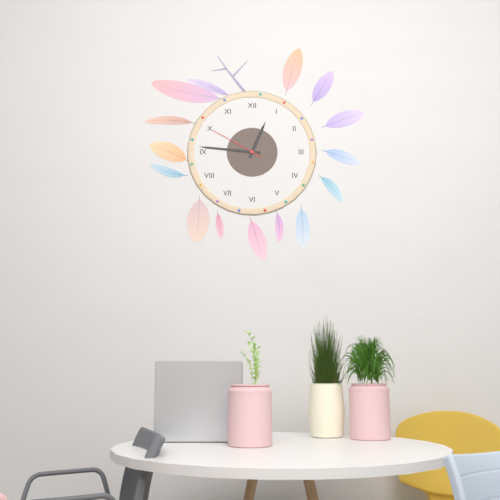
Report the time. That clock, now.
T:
12:46:50
